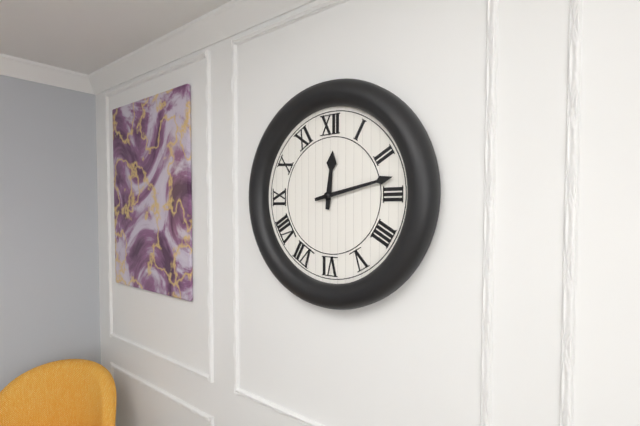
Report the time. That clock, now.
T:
12:13
